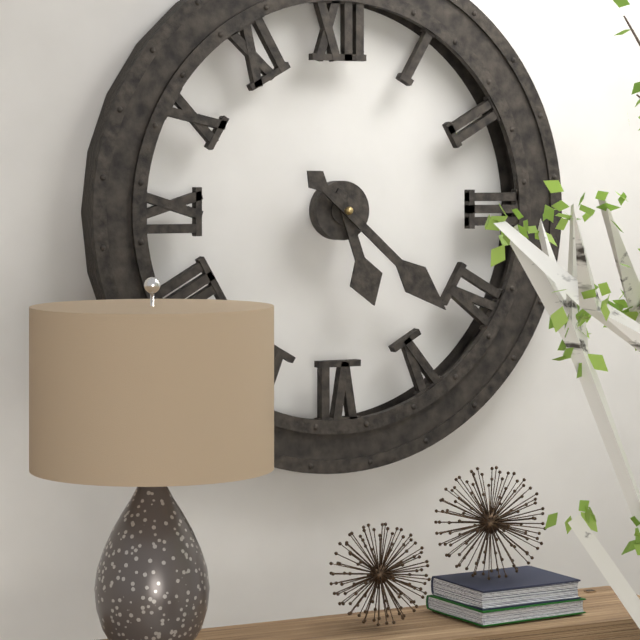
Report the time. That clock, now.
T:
5:22
